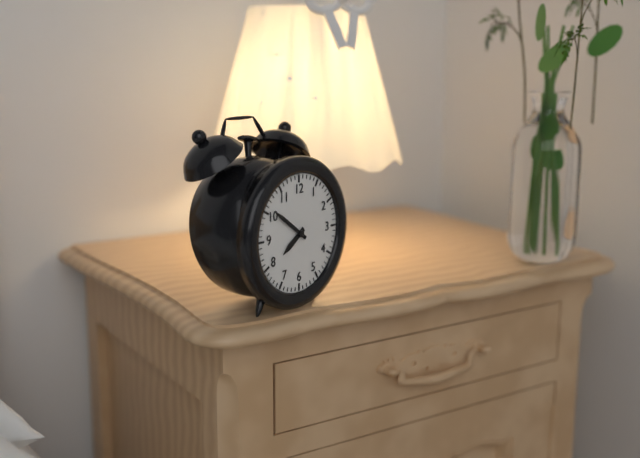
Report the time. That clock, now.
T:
7:51
